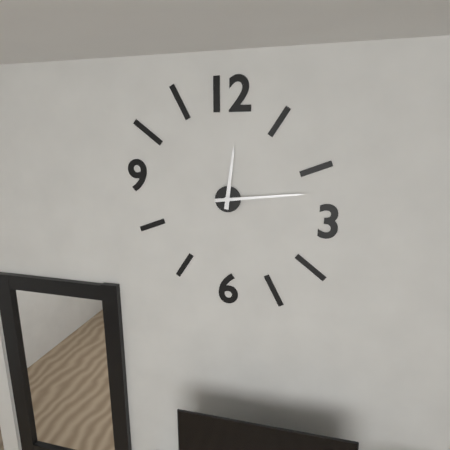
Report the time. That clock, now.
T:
12:14
